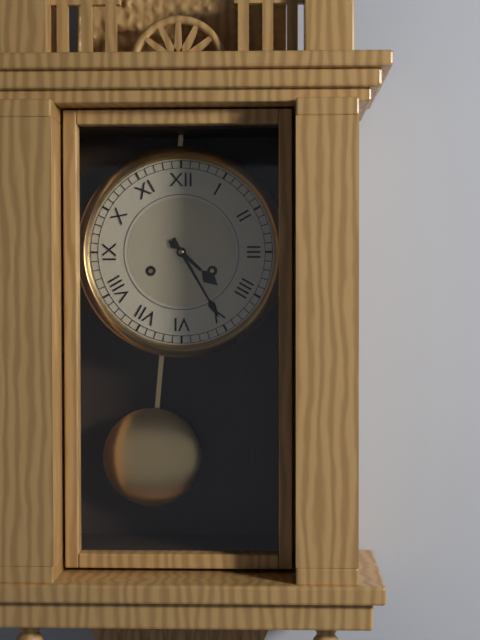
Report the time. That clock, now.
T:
4:25
